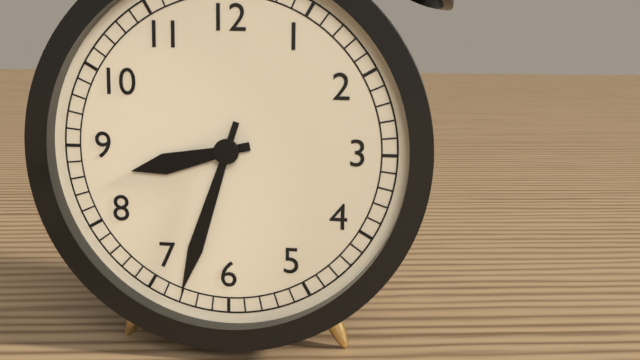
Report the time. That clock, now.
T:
8:33
